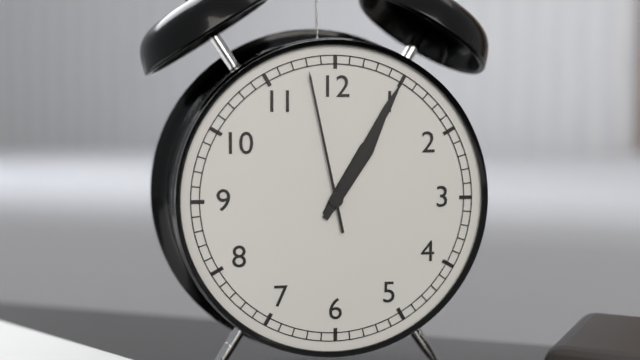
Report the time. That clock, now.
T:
1:05:58
